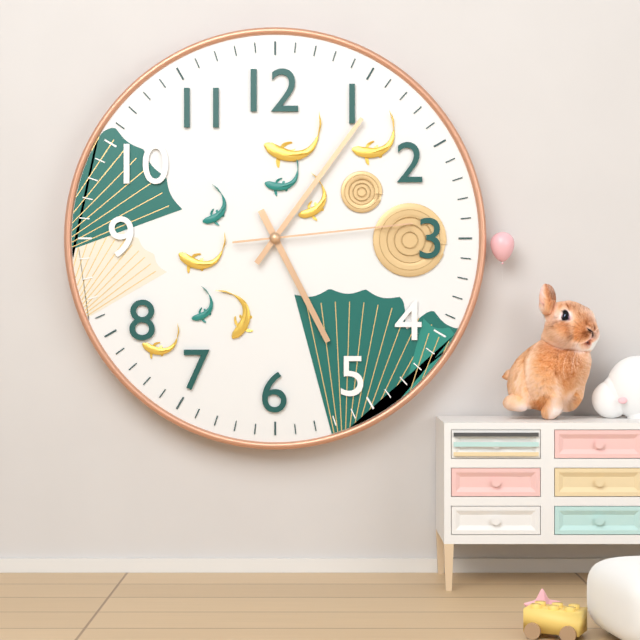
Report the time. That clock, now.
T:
5:06:14
